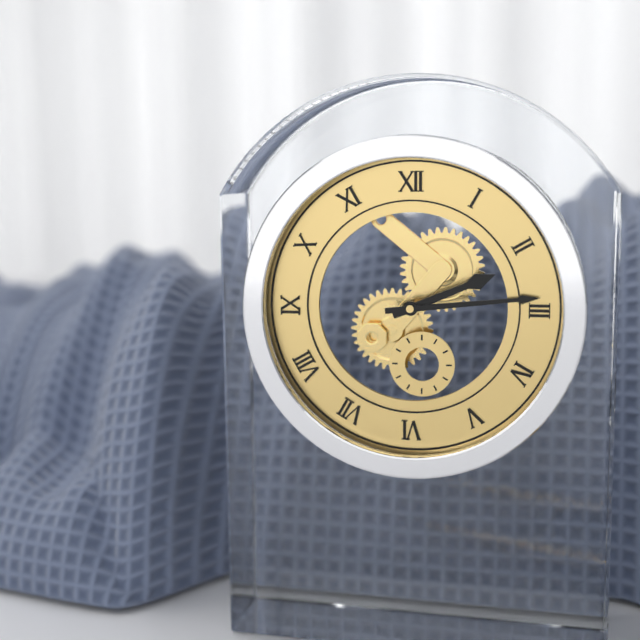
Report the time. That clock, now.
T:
2:14
